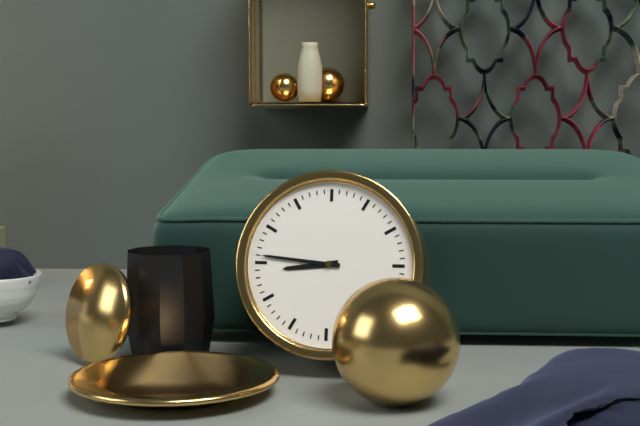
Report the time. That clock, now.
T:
8:46
